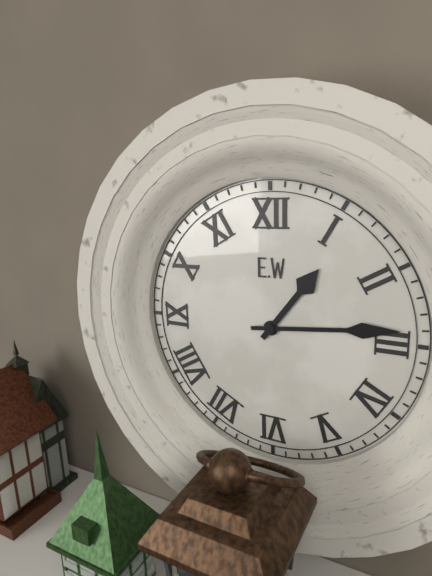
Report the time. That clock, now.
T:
1:14
